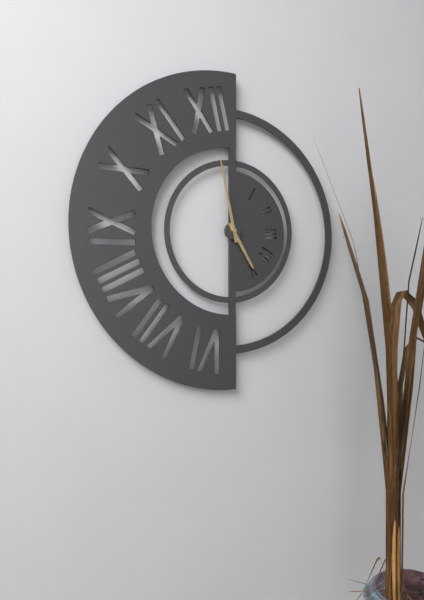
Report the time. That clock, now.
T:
4:58
